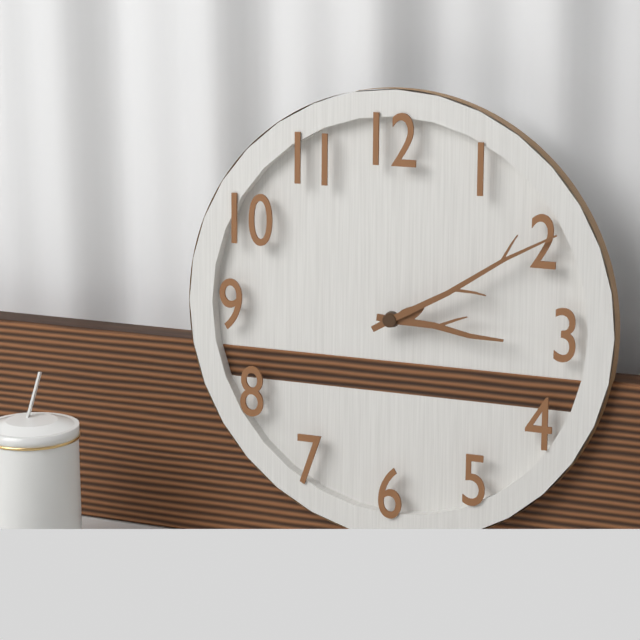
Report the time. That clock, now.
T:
3:10
